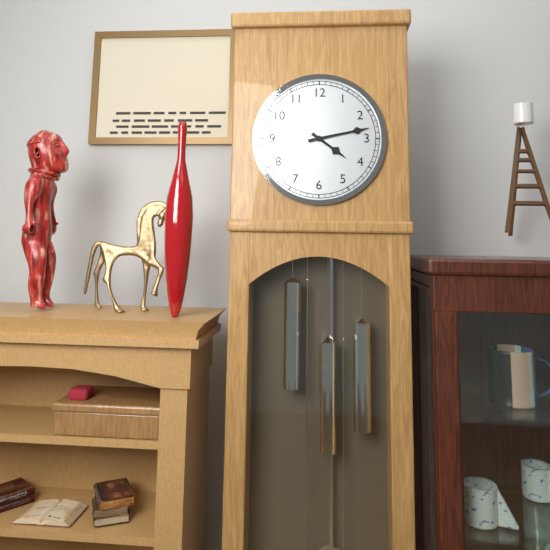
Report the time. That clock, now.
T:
4:13
